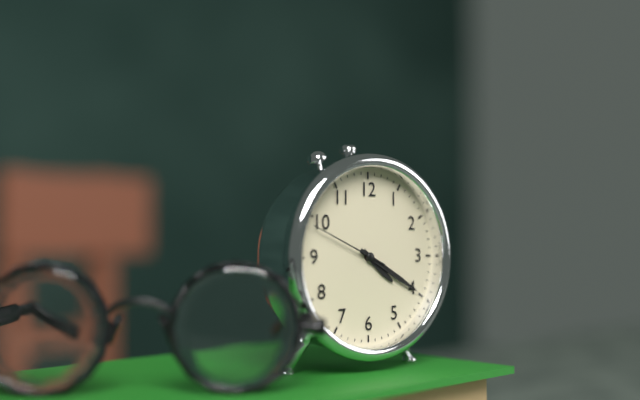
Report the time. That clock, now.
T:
4:20:49
